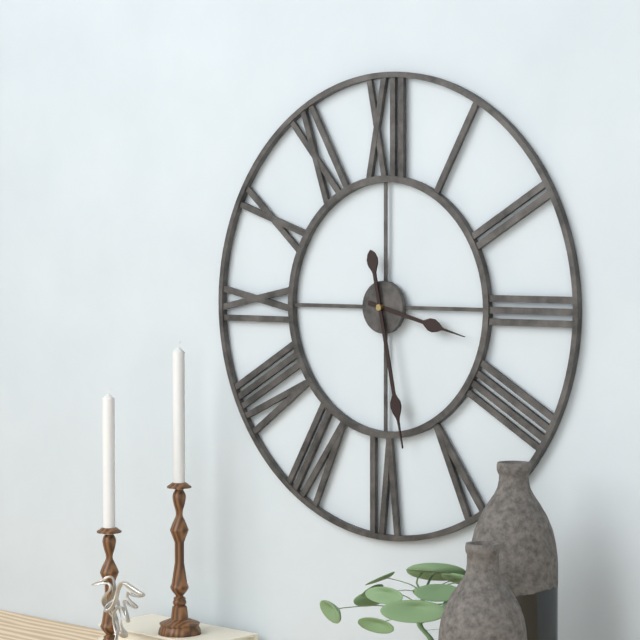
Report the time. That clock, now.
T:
3:28
